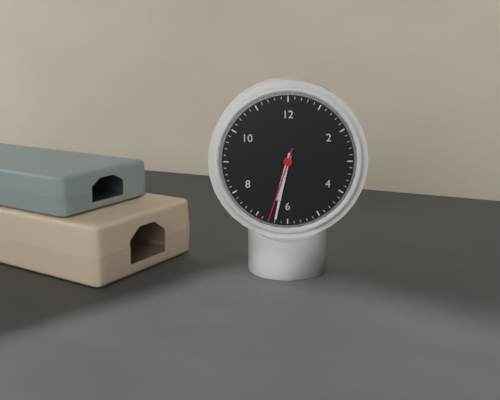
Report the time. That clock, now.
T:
6:32:33
